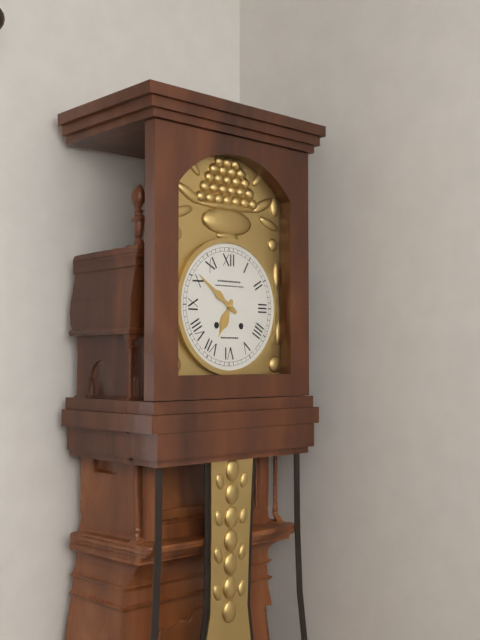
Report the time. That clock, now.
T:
6:51
